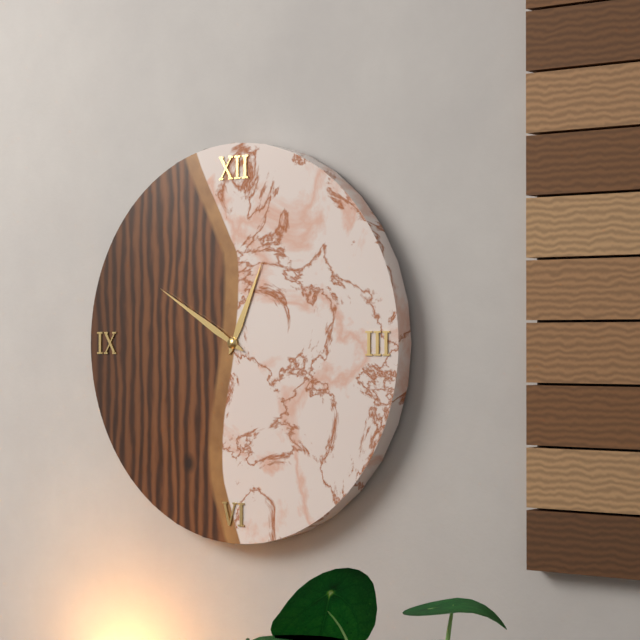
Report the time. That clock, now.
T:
12:50
